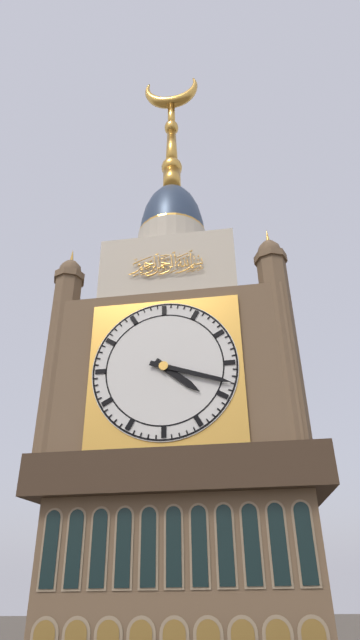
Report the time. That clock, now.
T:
4:18
